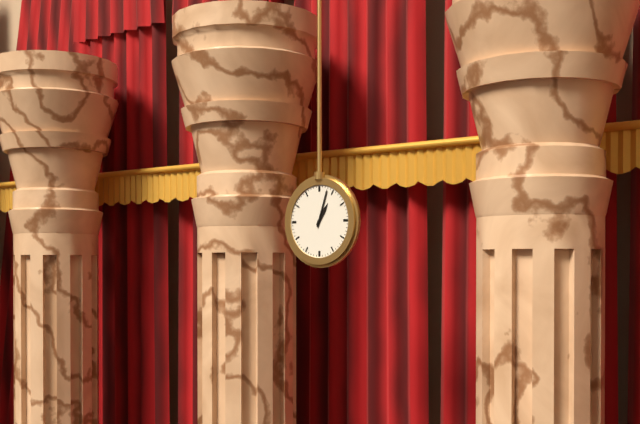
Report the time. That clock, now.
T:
1:03
